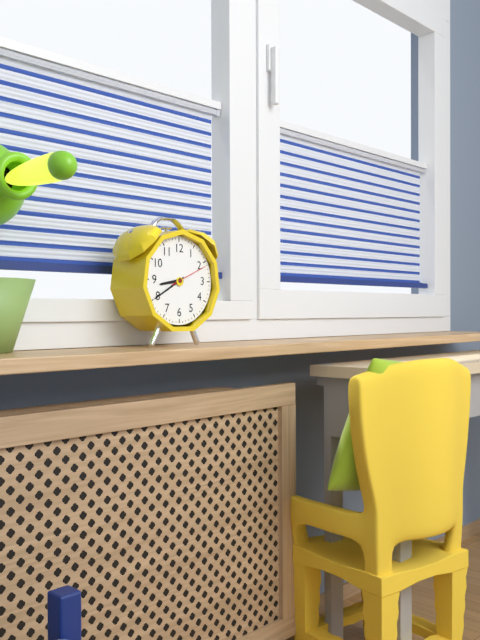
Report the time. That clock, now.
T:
8:40
